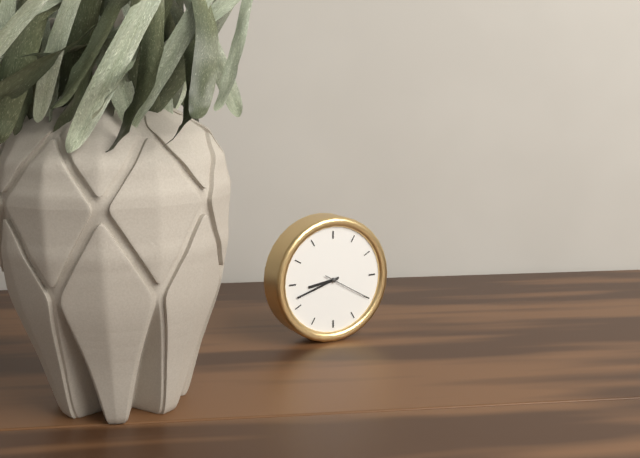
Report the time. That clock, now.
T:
8:42
